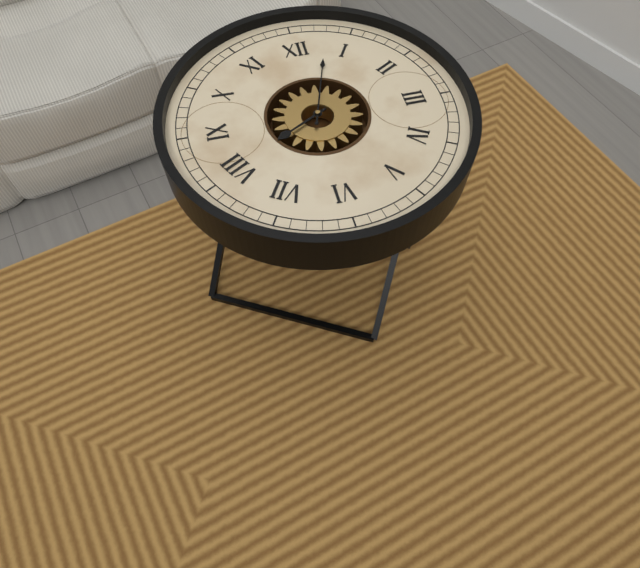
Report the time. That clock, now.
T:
8:03
